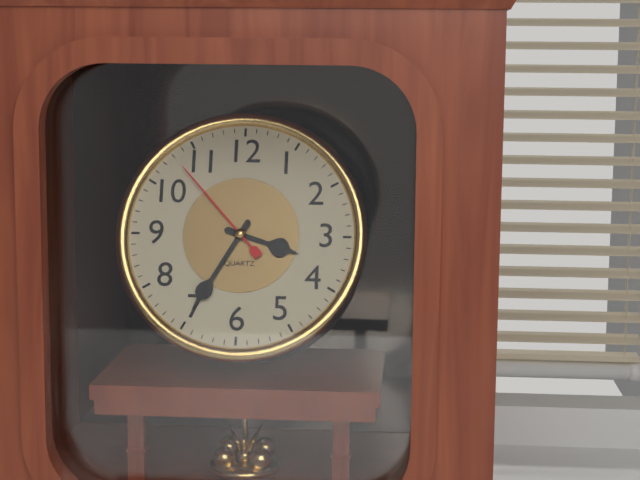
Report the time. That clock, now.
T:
3:35:53
